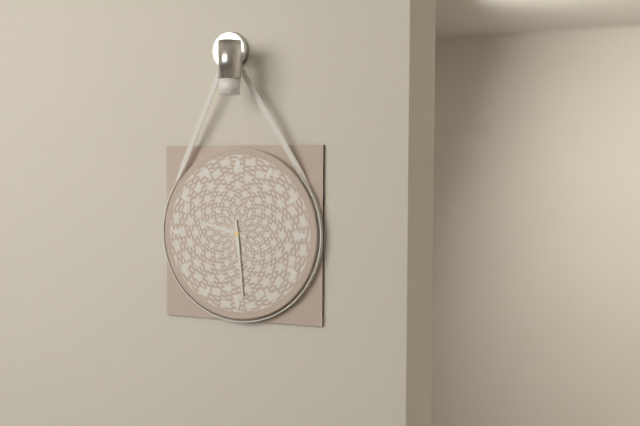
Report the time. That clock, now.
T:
9:29
